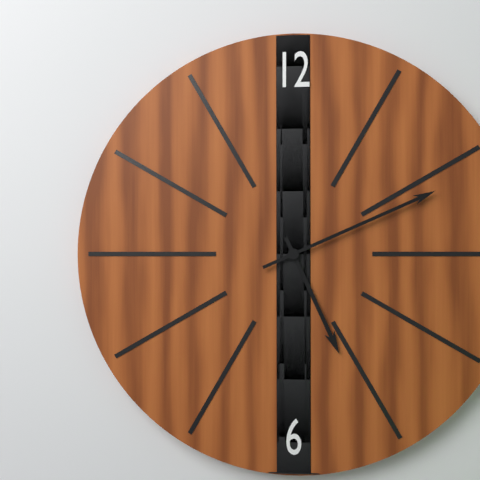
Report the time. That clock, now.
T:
5:11
